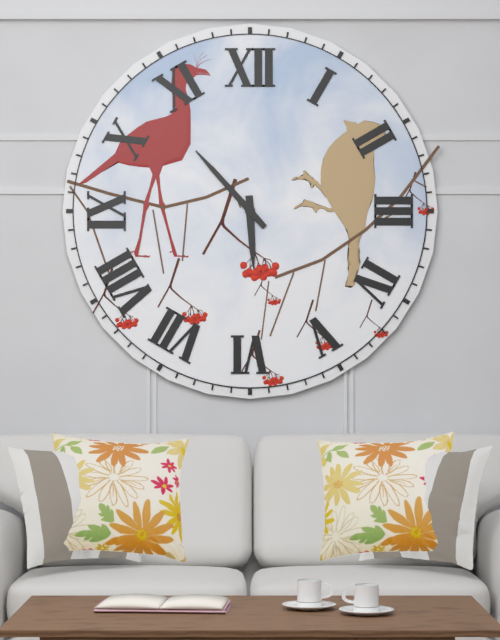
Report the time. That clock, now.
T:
5:53
